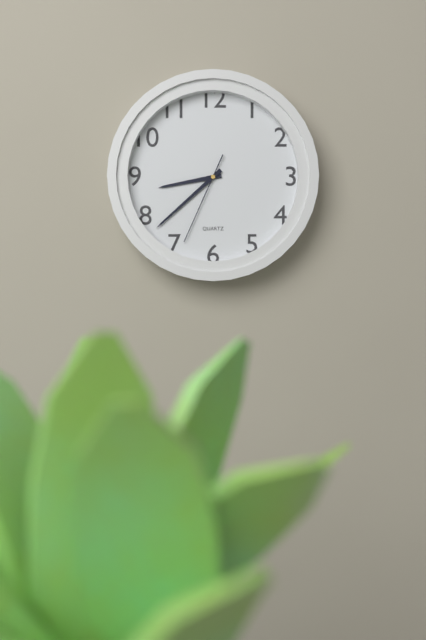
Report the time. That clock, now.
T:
8:38:34
